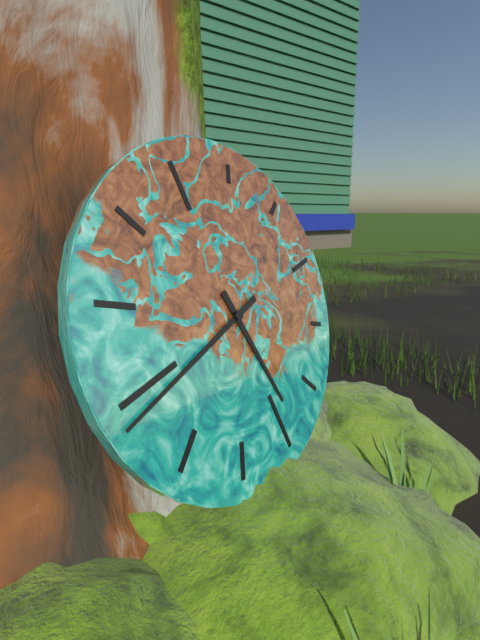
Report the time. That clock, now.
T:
5:44
